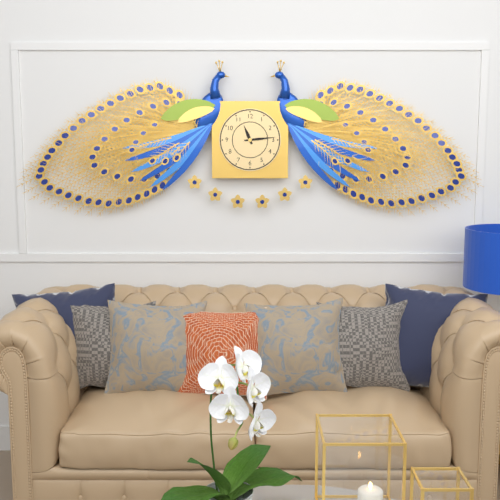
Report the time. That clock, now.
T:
11:14
